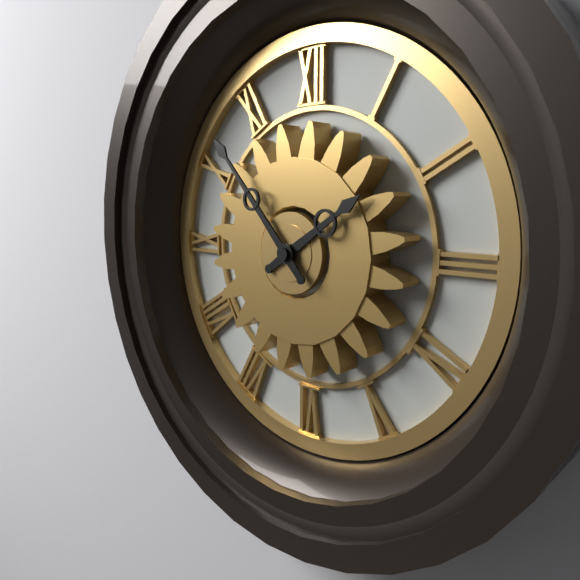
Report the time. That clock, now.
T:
1:53
